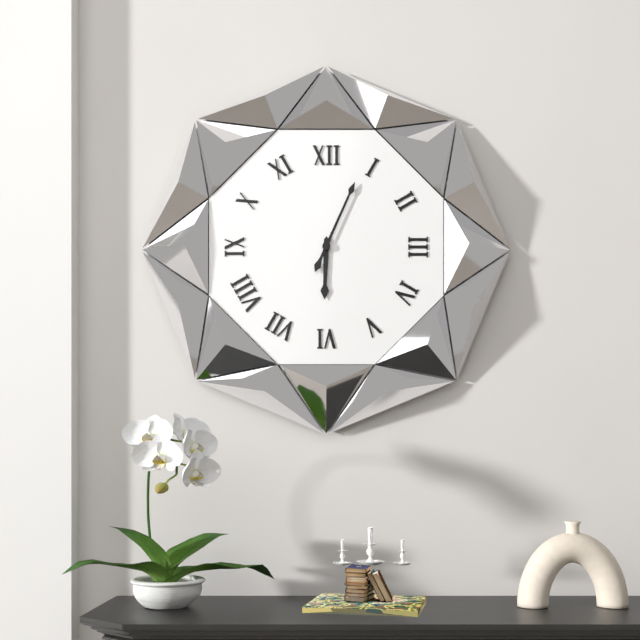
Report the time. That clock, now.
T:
6:04
